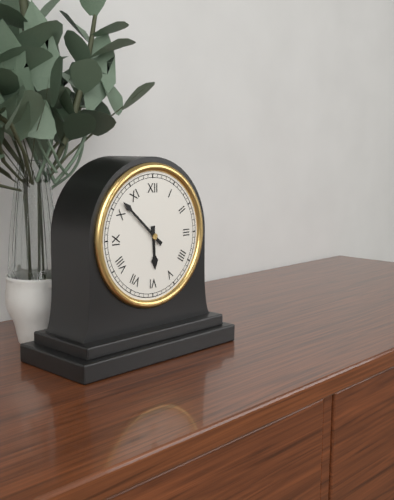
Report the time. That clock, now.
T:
5:52
